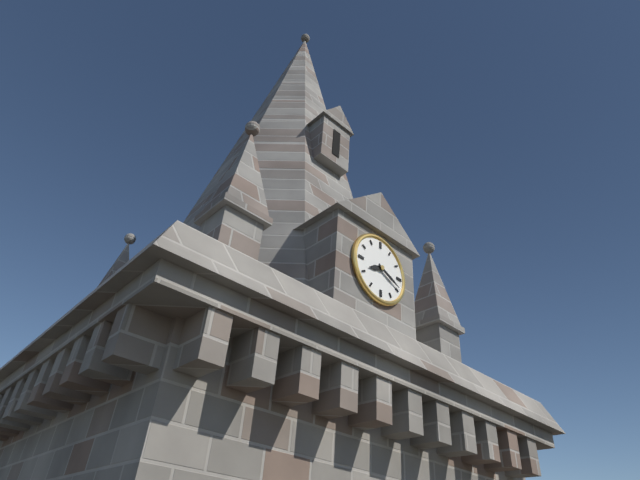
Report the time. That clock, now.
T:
8:19
